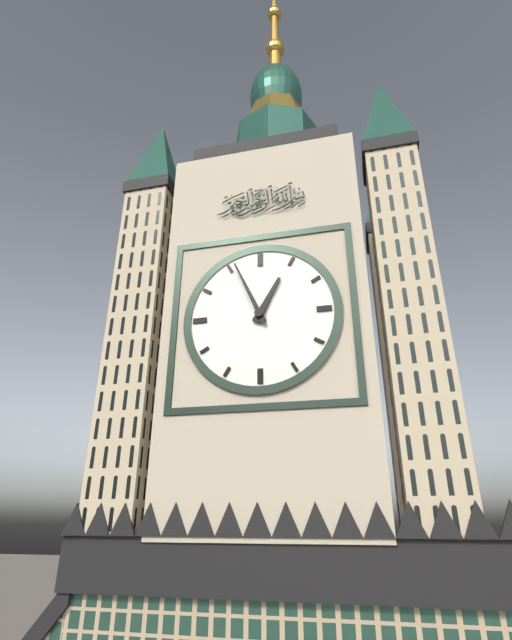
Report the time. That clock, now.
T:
12:56
